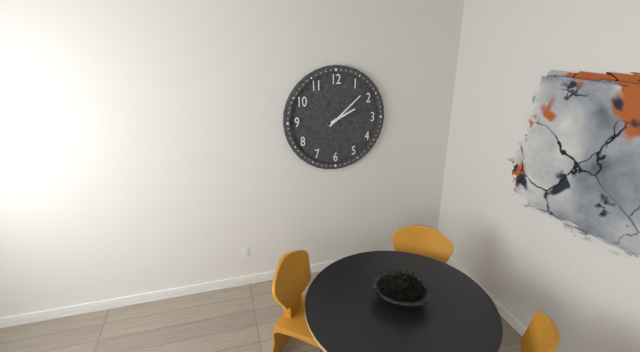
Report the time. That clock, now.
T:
2:08
